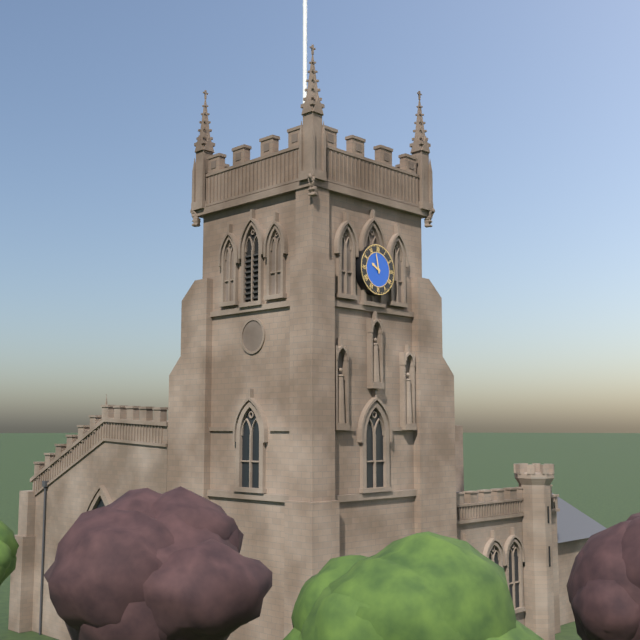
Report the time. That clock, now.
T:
9:58
